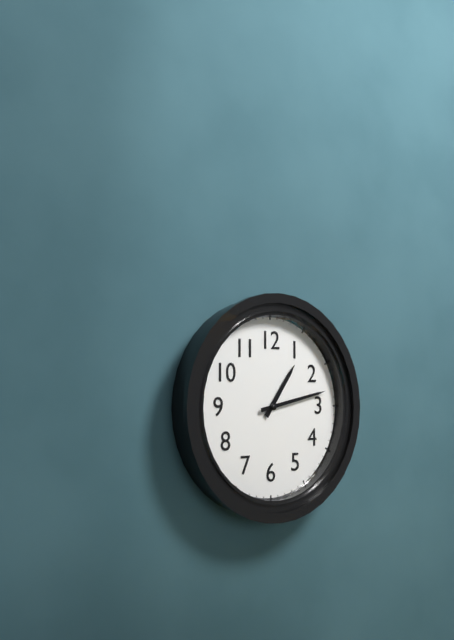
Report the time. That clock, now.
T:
1:13
